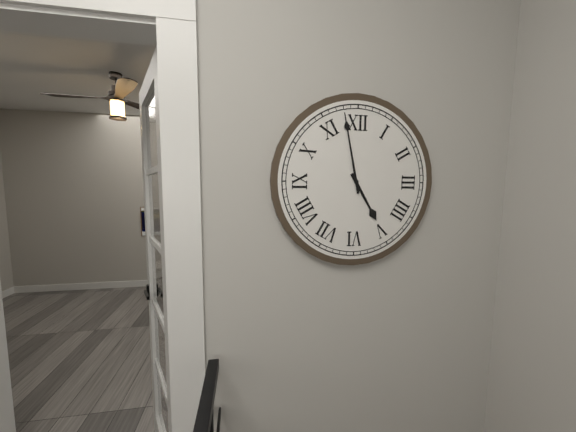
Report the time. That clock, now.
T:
4:58
